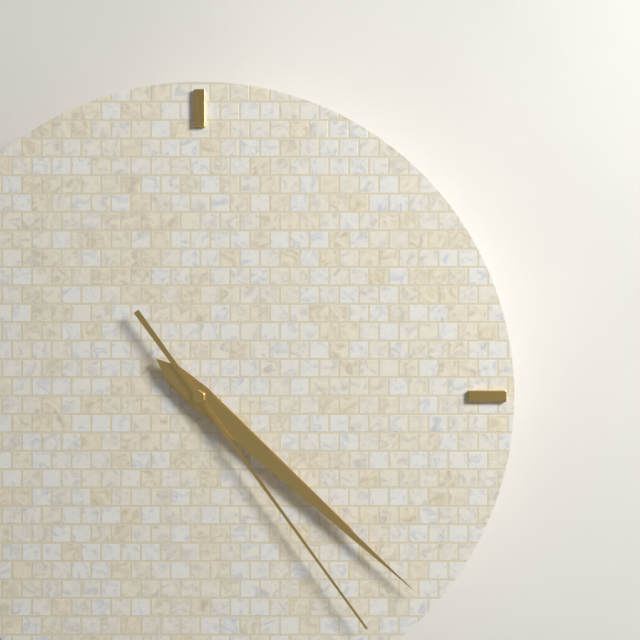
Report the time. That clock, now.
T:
4:22:24
